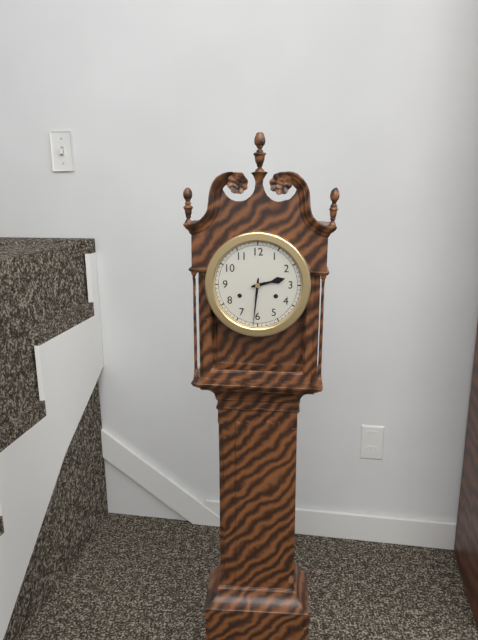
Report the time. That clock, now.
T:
2:31
